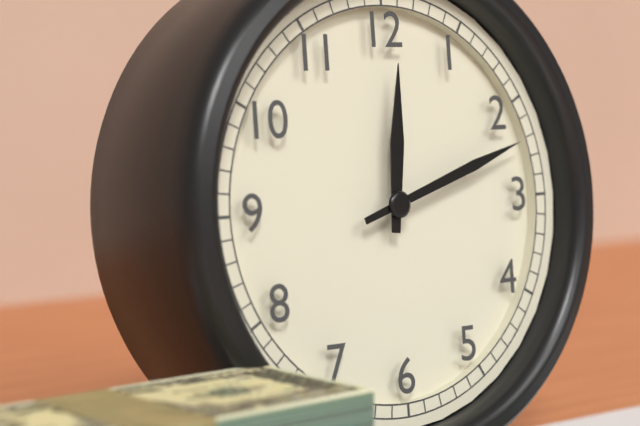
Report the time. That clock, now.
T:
12:12
